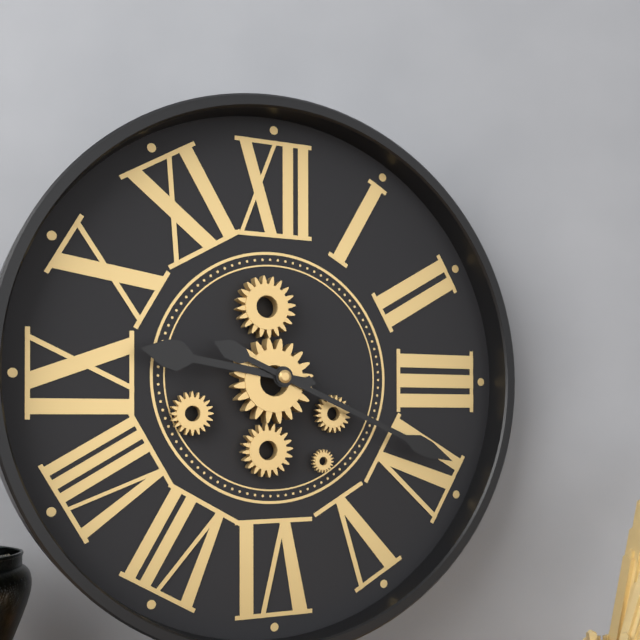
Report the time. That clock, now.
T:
9:19
